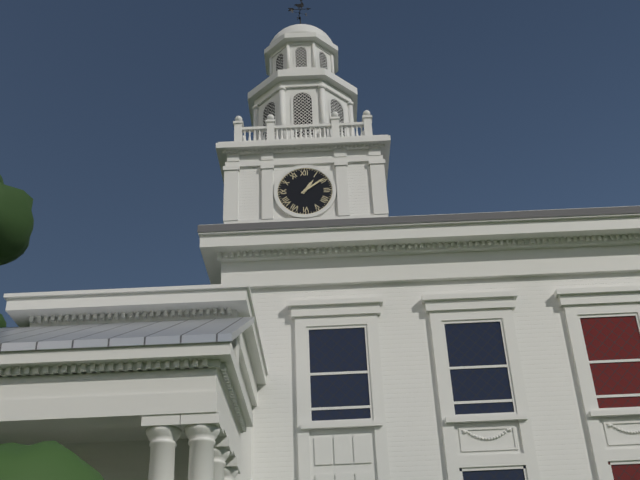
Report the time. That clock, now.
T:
1:09
